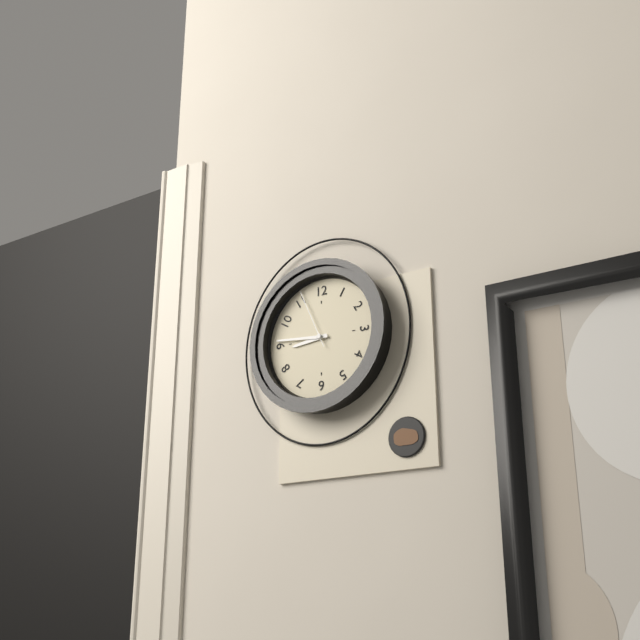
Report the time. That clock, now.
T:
8:46:56
